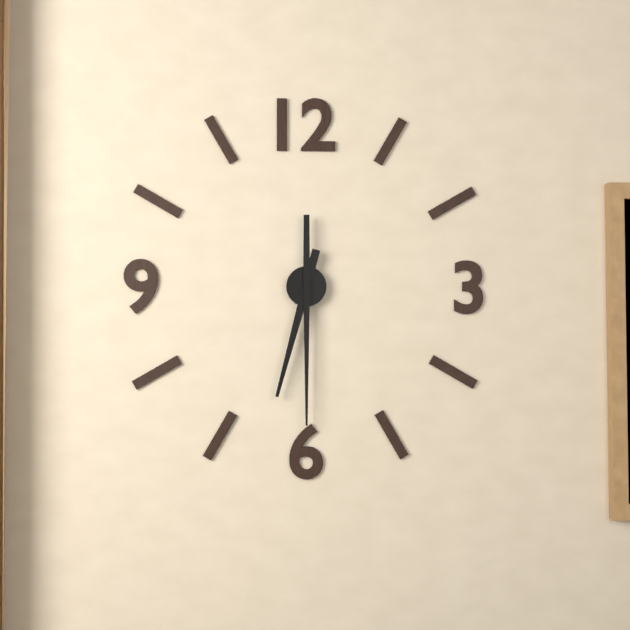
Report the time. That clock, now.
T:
6:30
